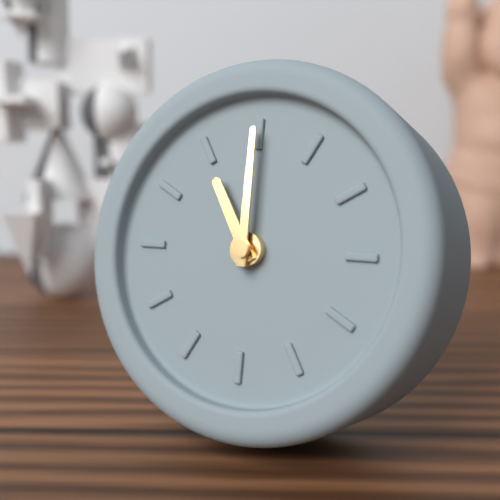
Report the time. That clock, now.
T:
11:00
